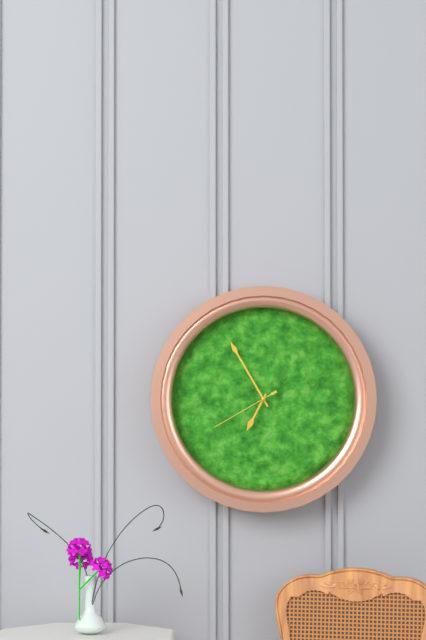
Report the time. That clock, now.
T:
6:55:40
